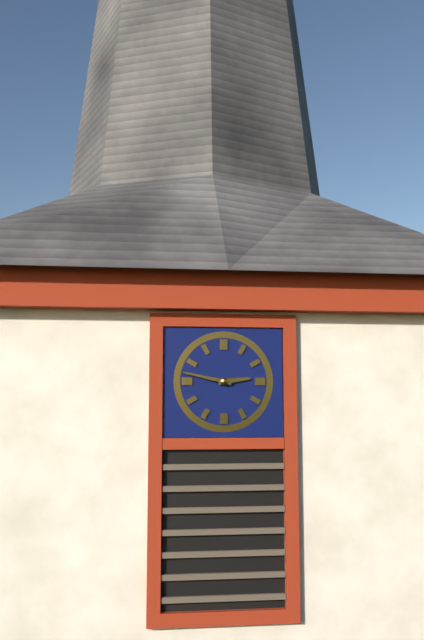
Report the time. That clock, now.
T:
2:47
